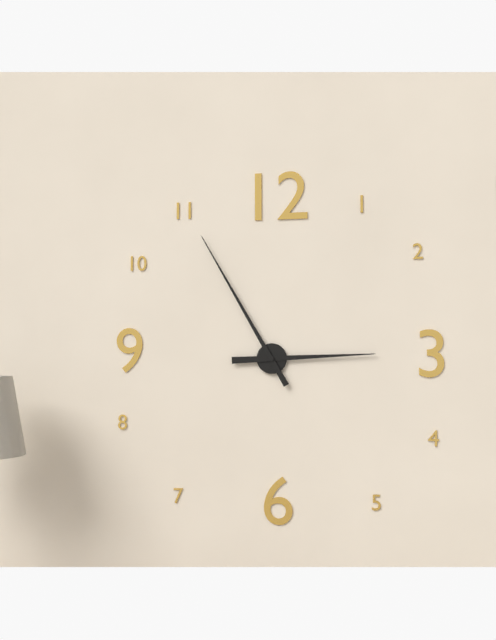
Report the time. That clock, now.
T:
2:55
